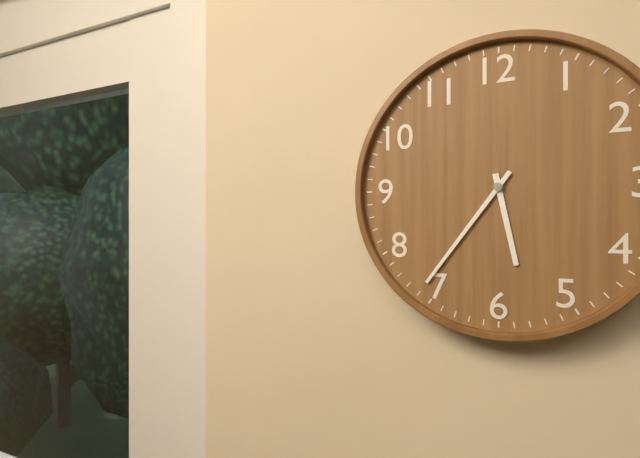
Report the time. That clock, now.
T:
5:36
